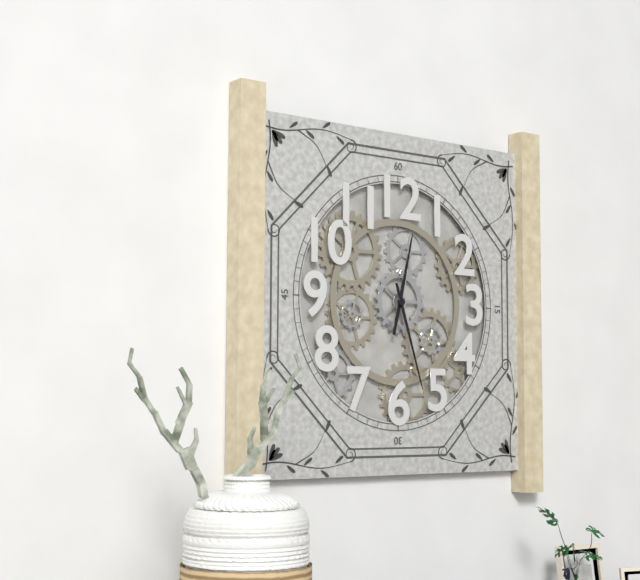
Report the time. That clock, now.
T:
12:27
